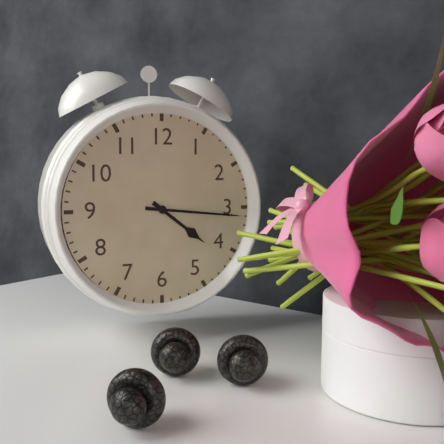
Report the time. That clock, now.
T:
4:16
